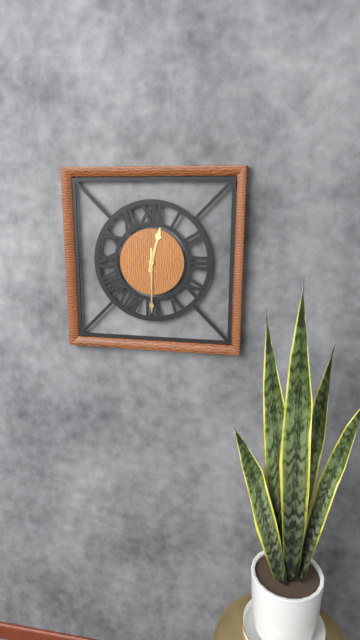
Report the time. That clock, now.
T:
12:30
